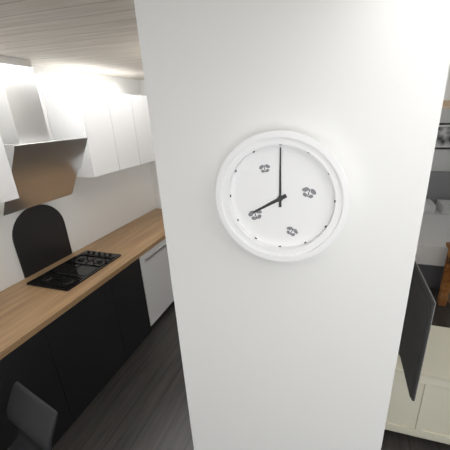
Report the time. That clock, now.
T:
8:00
